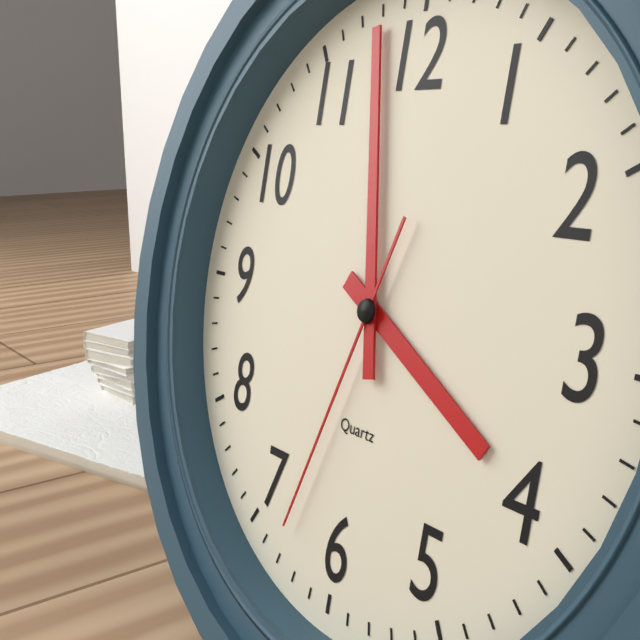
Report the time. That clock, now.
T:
3:58:33
